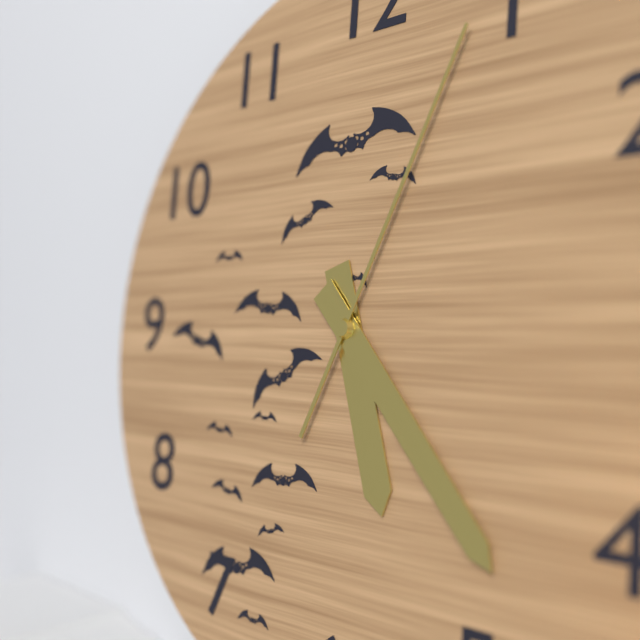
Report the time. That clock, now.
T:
5:23:04
